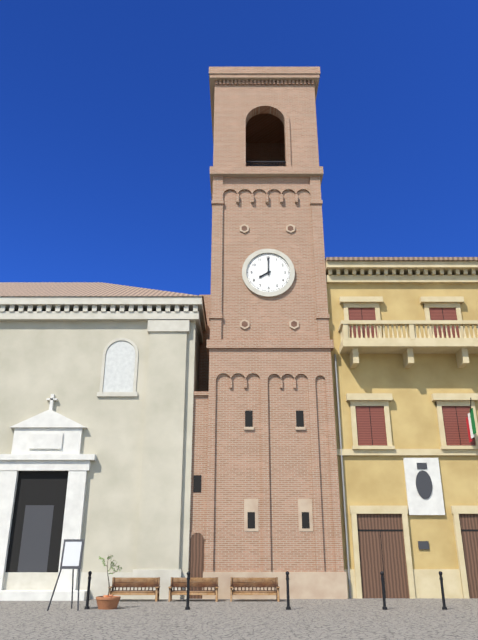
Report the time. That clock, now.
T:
8:00
